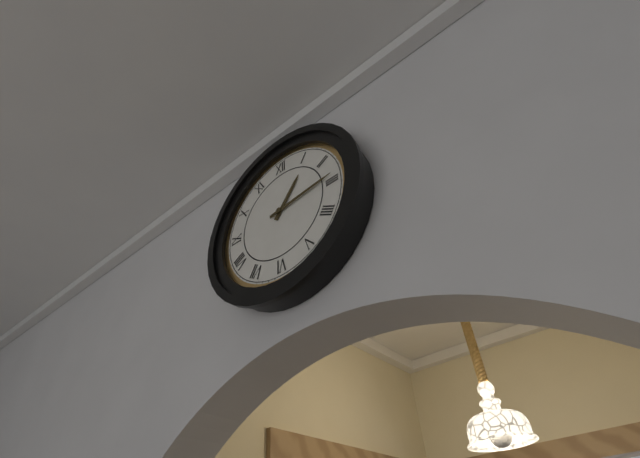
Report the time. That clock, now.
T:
1:14
